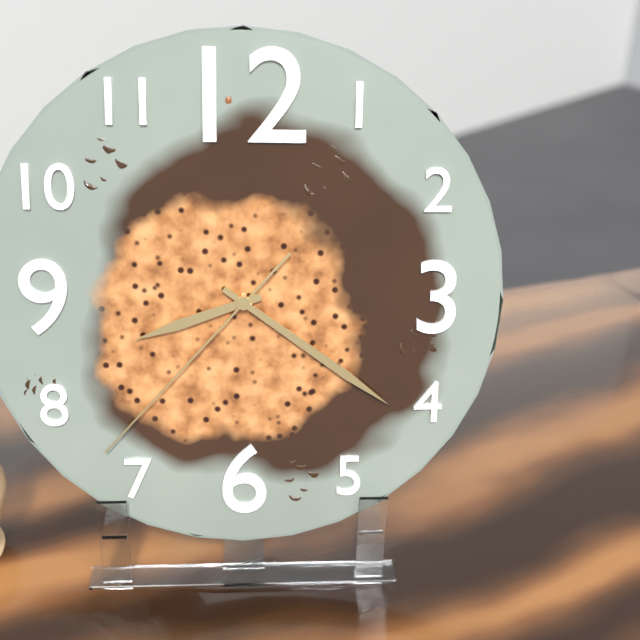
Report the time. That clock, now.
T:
8:21:37
